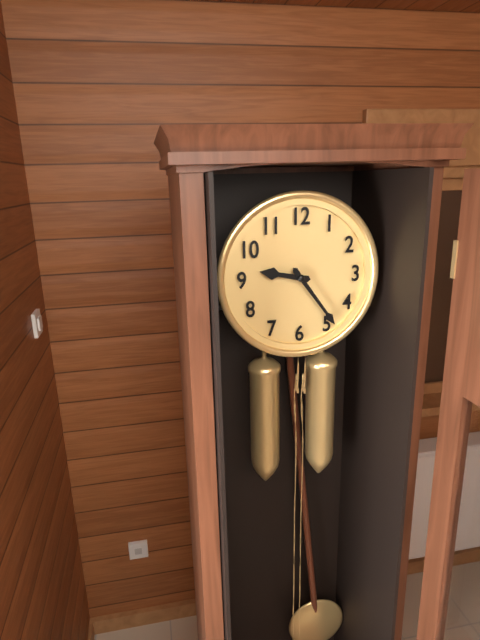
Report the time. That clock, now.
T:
9:24
